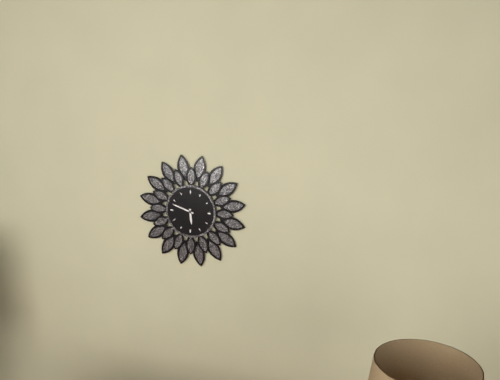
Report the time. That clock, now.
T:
5:48
